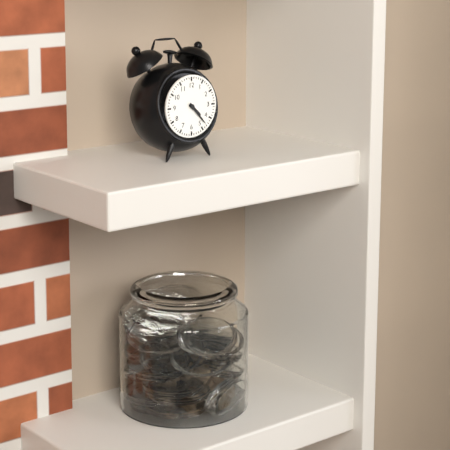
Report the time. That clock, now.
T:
4:23
